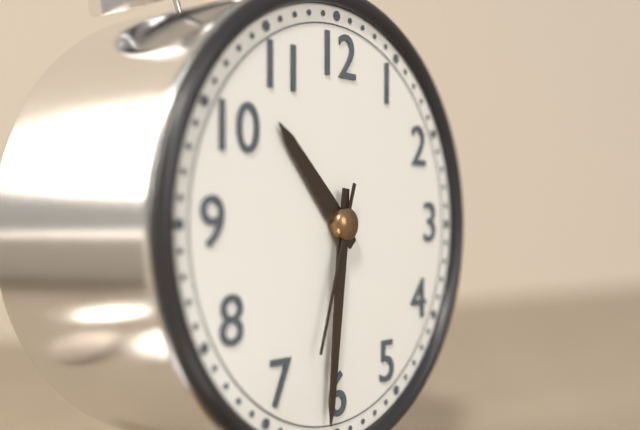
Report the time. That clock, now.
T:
10:31:33
